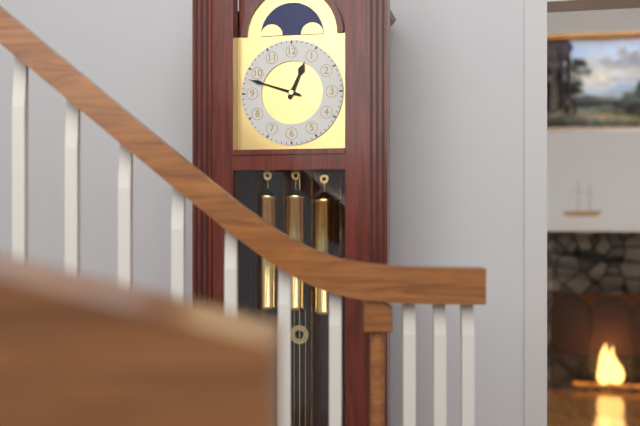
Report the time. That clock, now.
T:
12:48
